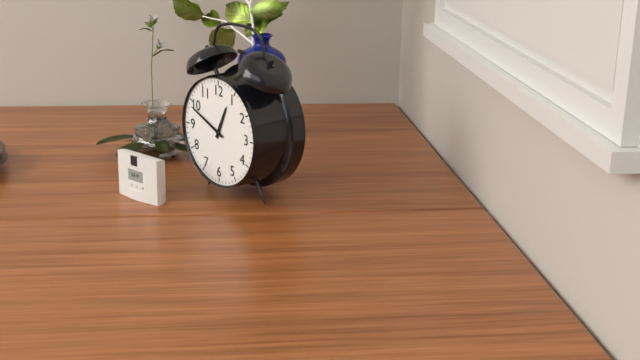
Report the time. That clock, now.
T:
12:49
